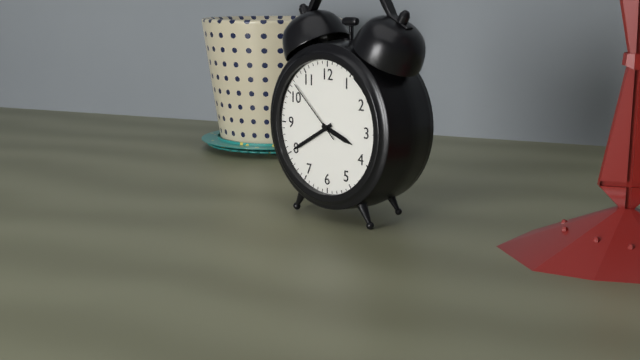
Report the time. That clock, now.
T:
3:40:52
